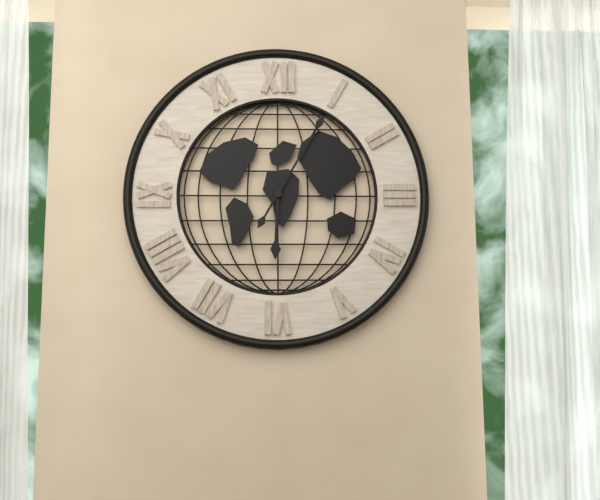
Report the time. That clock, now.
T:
6:05
